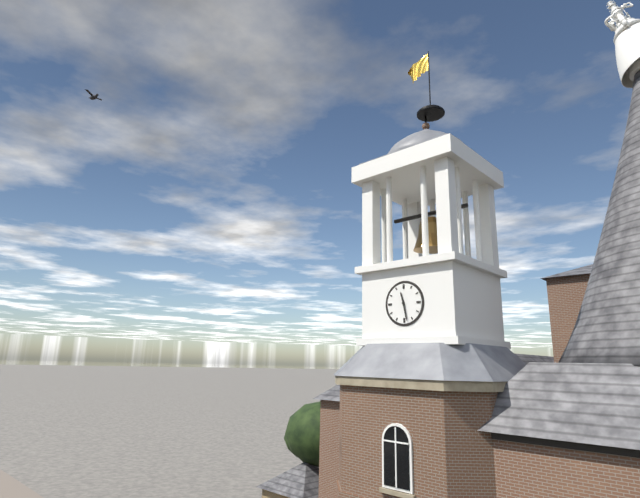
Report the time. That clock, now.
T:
11:28
